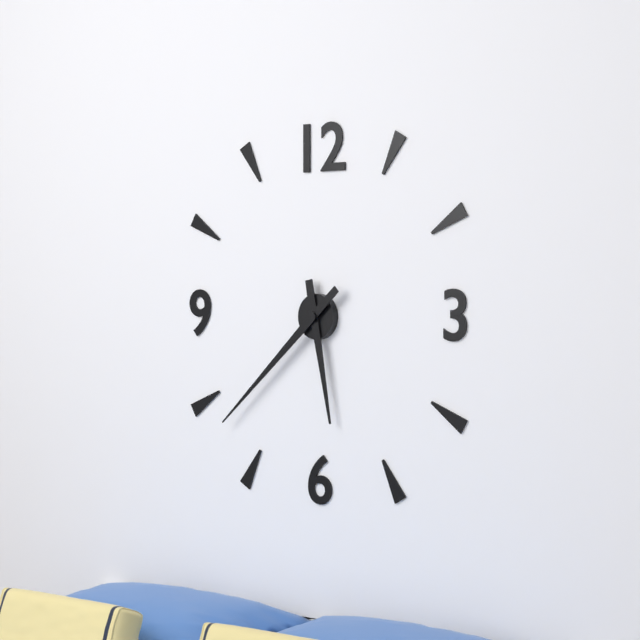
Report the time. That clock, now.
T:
5:38
